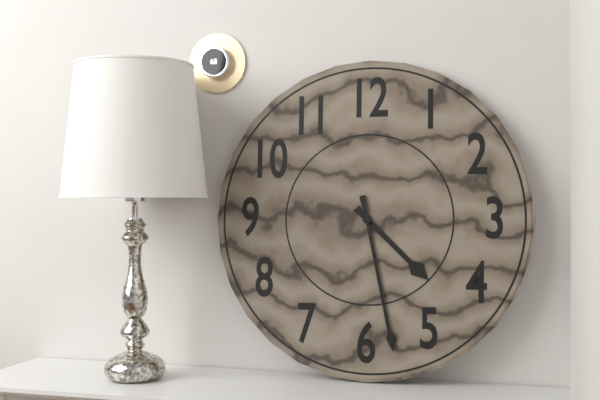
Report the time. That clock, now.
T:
4:28
